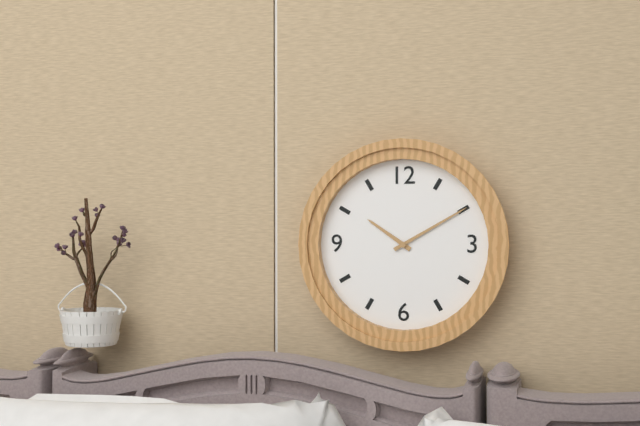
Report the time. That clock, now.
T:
10:10
